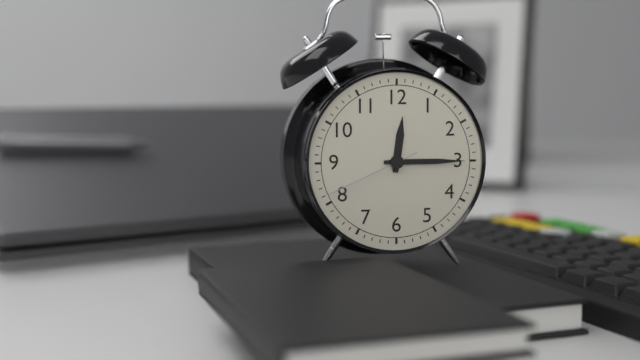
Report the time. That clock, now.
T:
12:15:41
